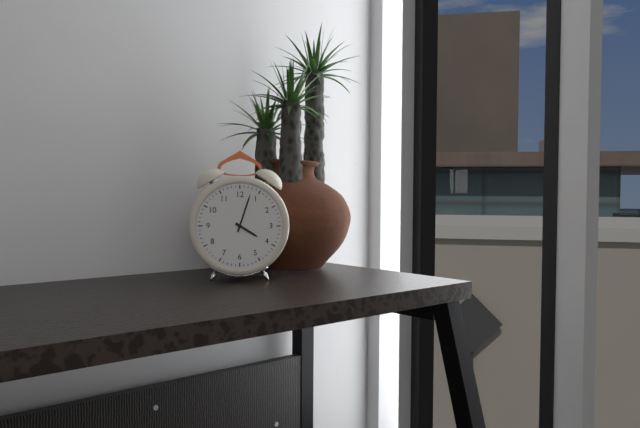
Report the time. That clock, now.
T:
4:03
